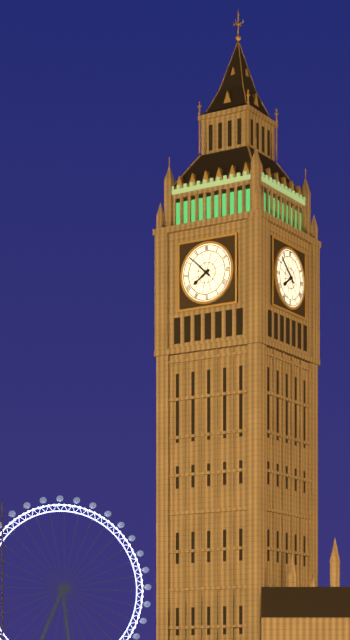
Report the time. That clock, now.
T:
7:52
